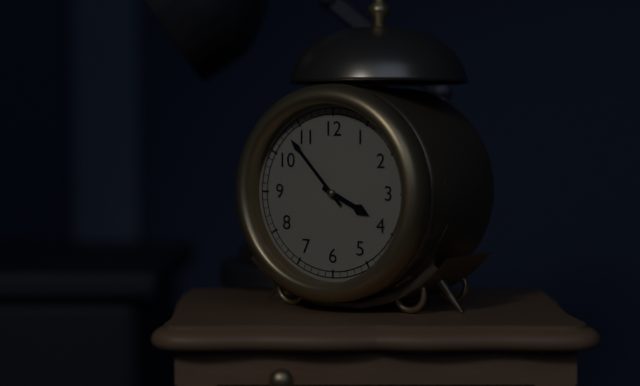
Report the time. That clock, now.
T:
3:53
